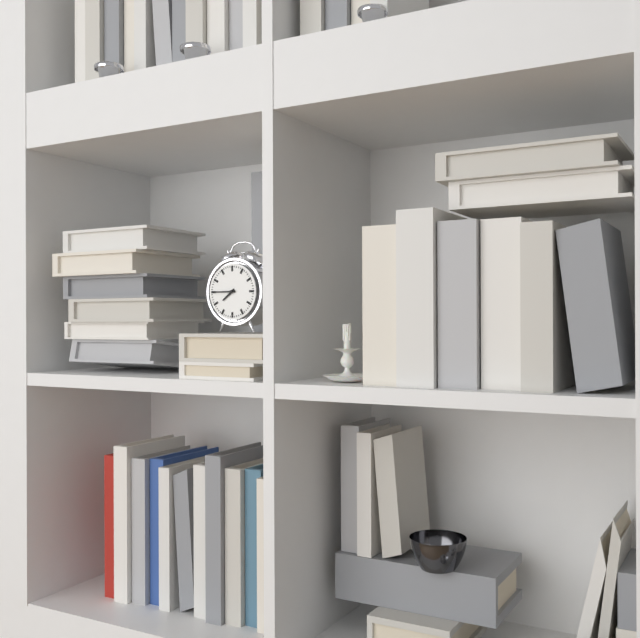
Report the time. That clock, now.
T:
7:45
